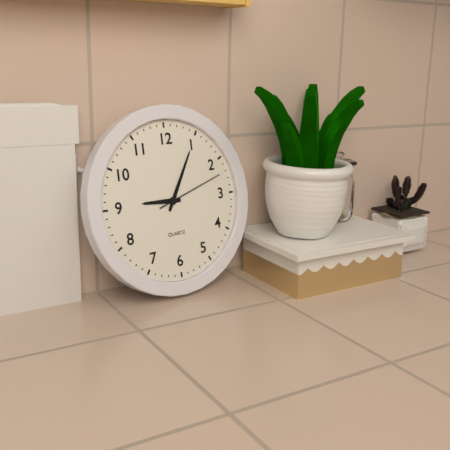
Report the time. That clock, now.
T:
9:05:12
